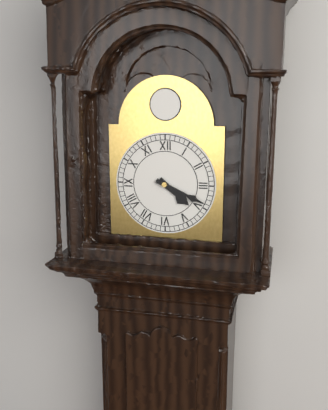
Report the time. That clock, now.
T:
4:19
